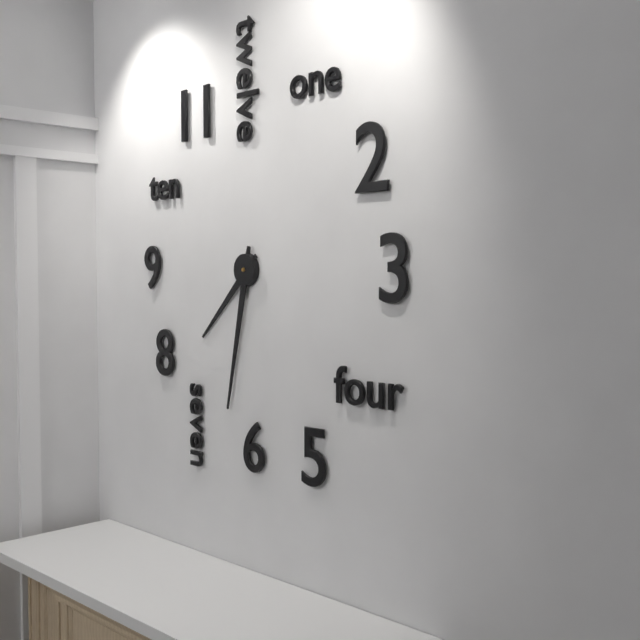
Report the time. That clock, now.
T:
7:32
